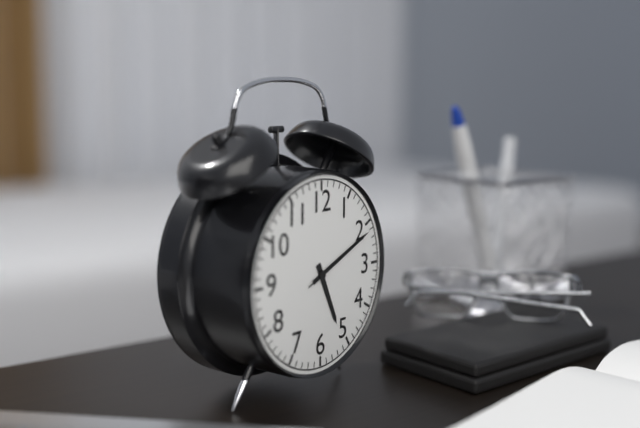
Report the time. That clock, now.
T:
5:11:11
